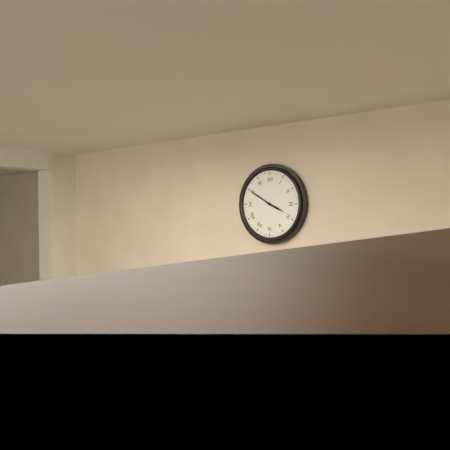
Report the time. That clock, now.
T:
3:50
